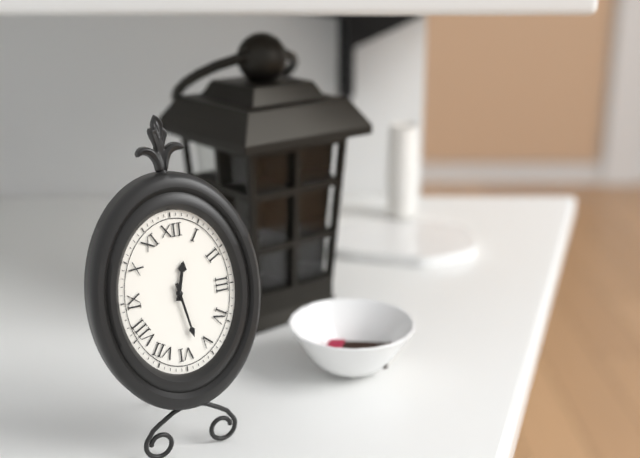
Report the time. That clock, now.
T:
12:28
